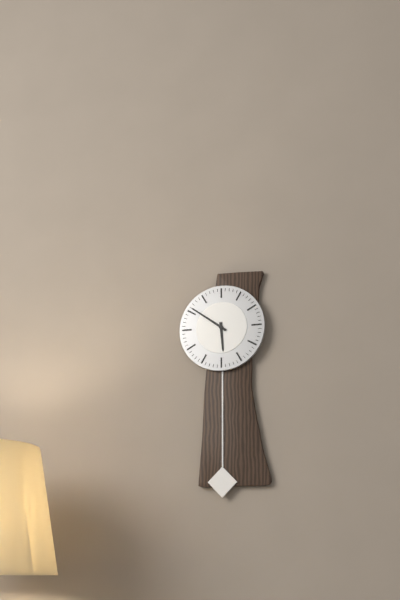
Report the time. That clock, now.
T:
5:51
